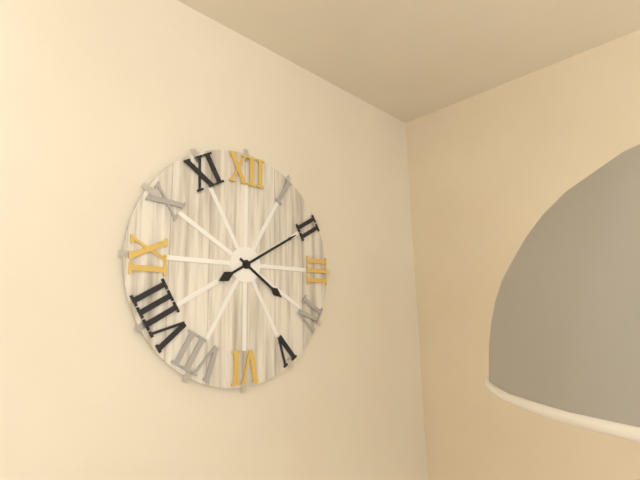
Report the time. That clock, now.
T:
4:10
